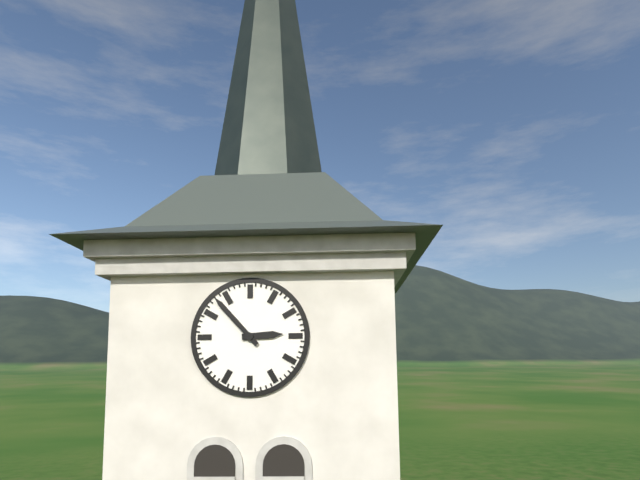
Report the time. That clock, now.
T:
2:53
